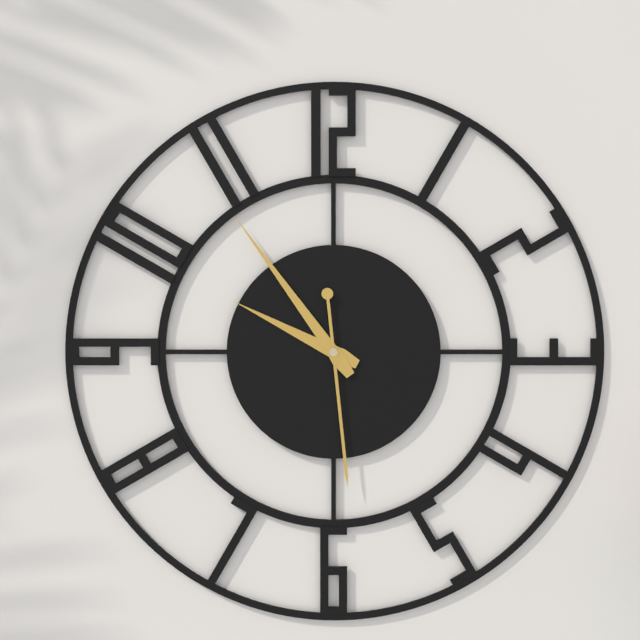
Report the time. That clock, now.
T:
9:54:29
